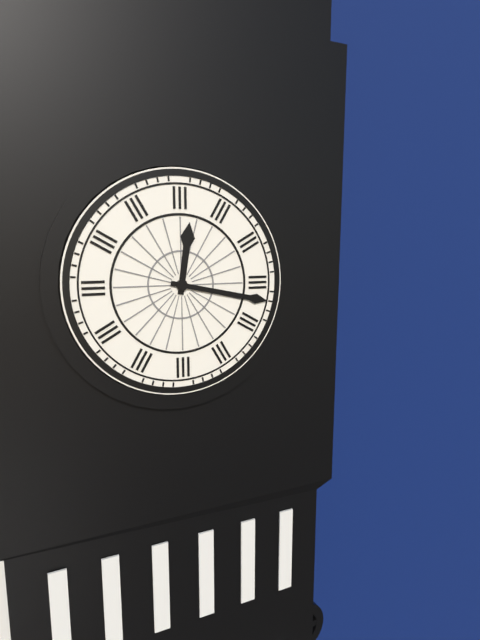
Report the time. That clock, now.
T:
12:17
